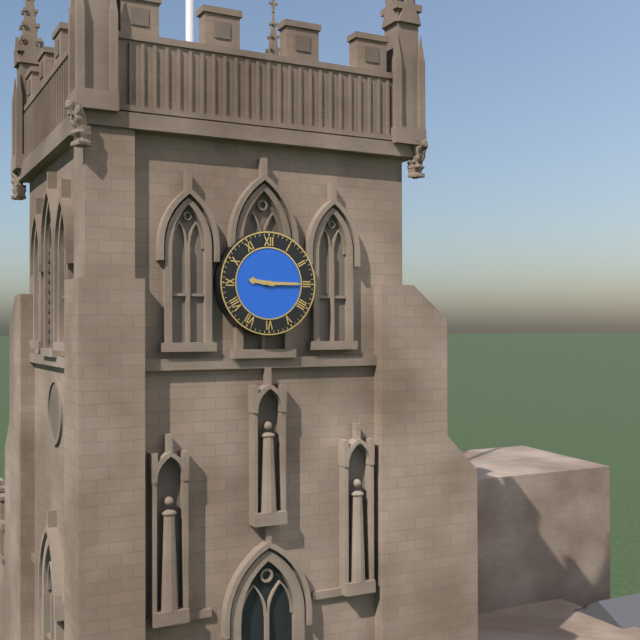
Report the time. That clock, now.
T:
9:15
